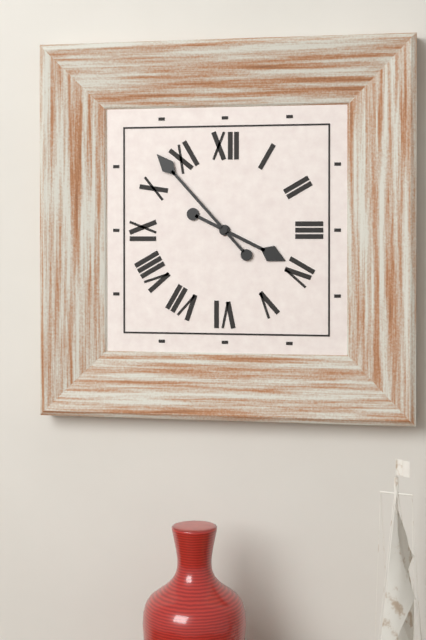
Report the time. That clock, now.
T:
3:53
